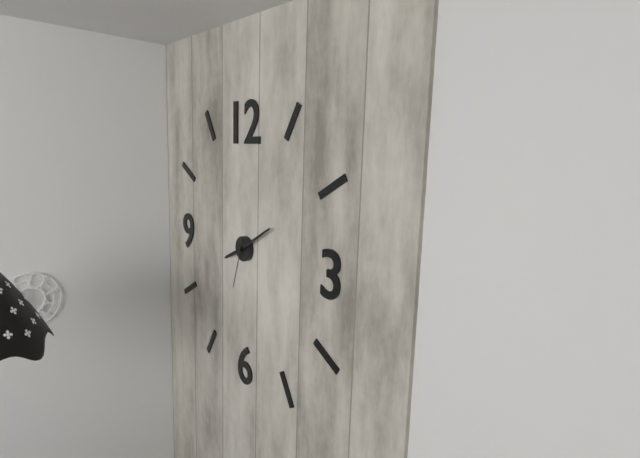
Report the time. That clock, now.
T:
8:10:33
